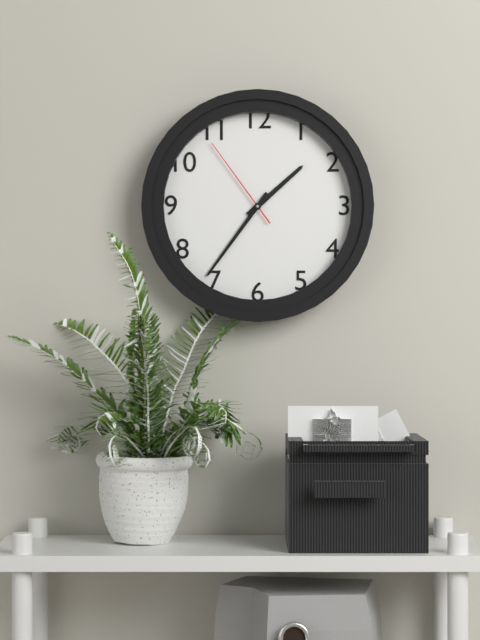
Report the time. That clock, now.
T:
1:36:54
